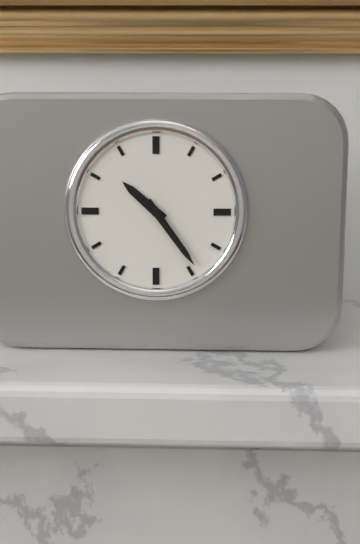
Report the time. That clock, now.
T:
10:24
